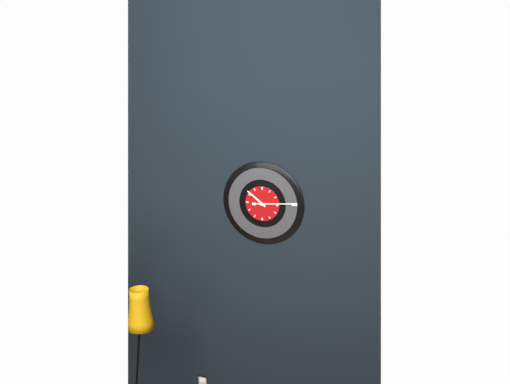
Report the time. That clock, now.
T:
10:14
